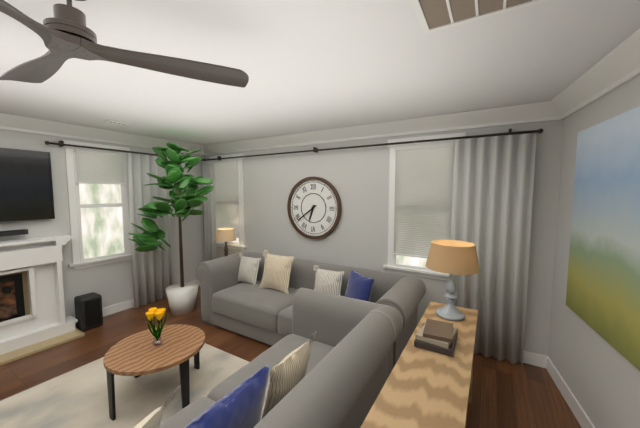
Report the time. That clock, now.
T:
6:39
